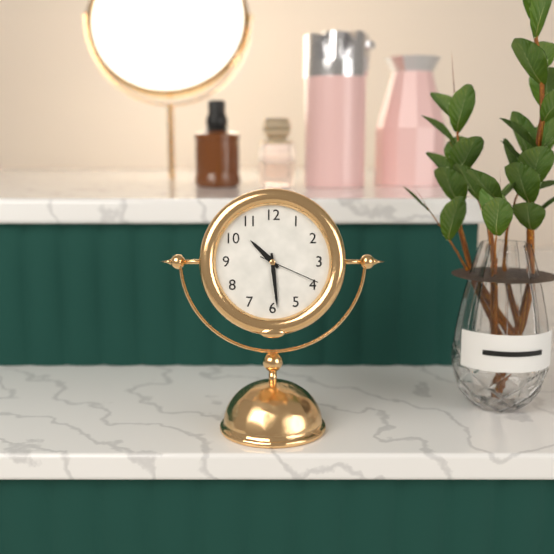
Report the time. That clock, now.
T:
10:29:19
